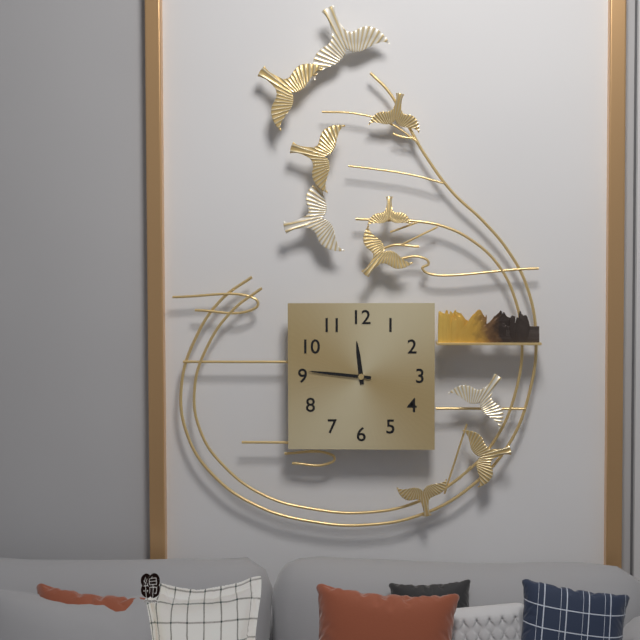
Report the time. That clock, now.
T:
11:46
